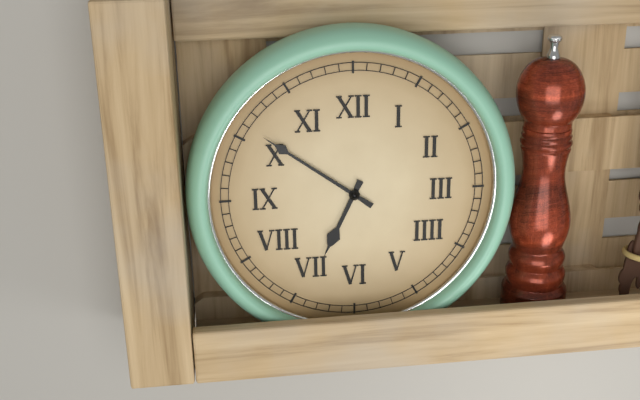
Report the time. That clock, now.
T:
6:51
